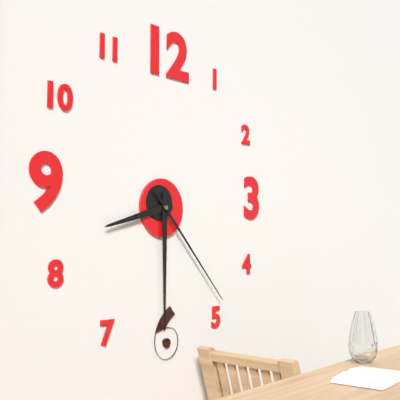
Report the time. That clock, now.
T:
8:30:23
